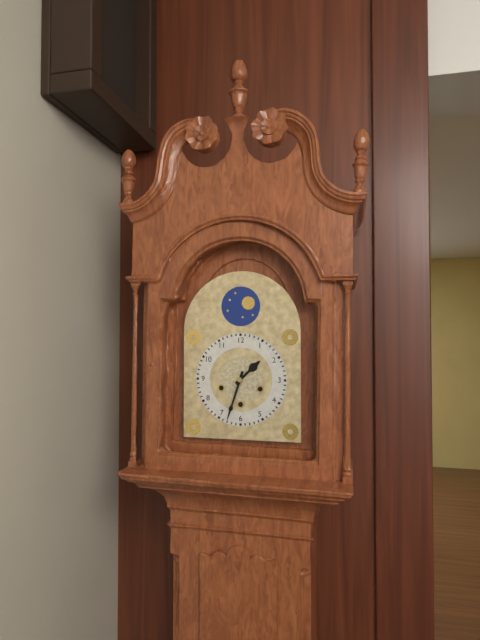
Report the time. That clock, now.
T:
1:33
